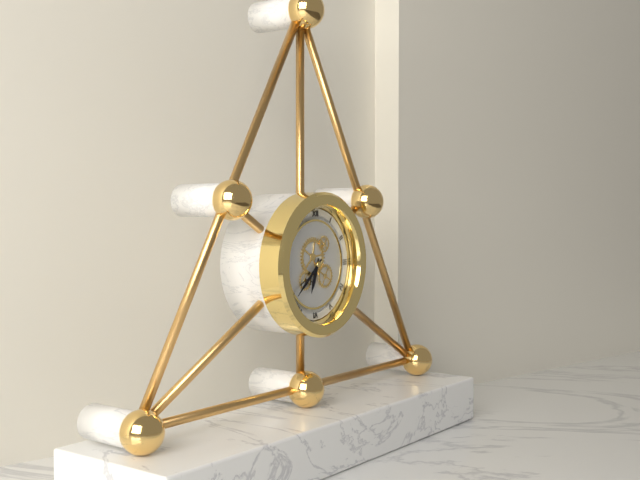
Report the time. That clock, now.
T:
6:38
